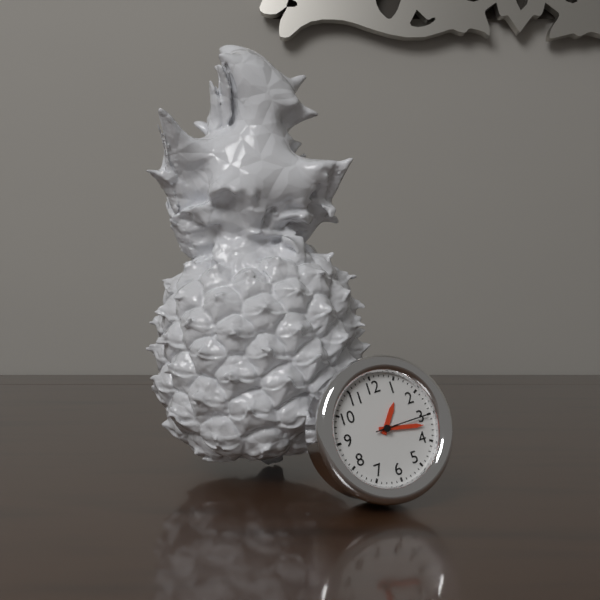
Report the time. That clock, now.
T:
1:17:15
